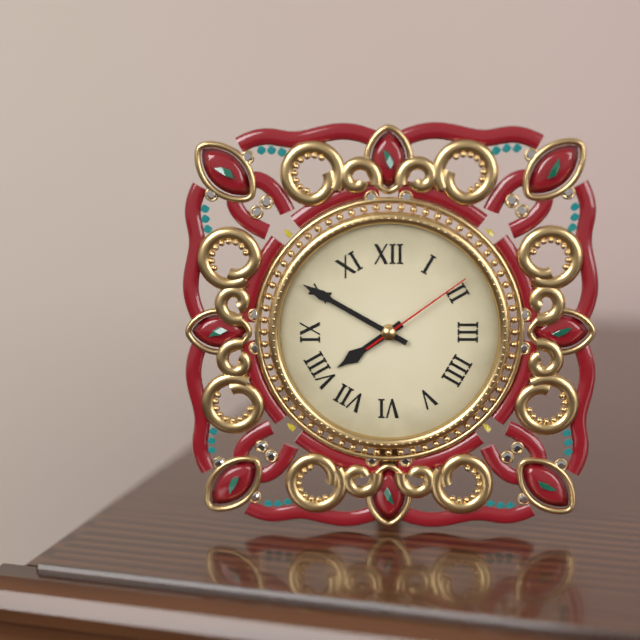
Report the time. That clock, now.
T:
7:50:09
